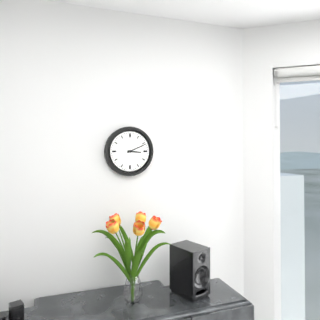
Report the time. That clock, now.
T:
3:11
